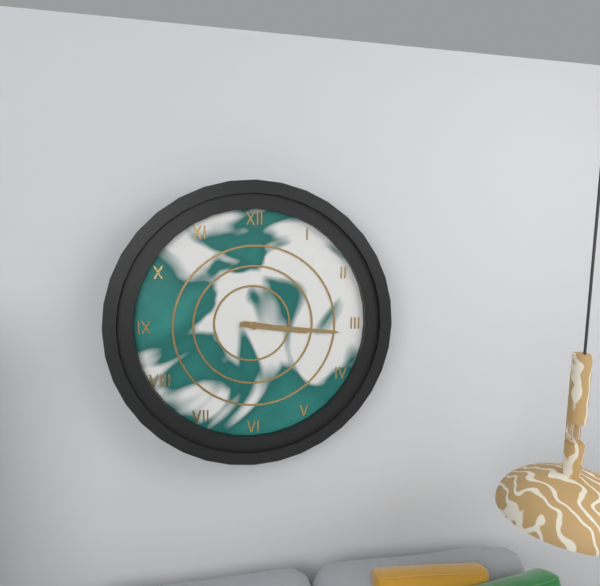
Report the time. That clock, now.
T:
3:16
